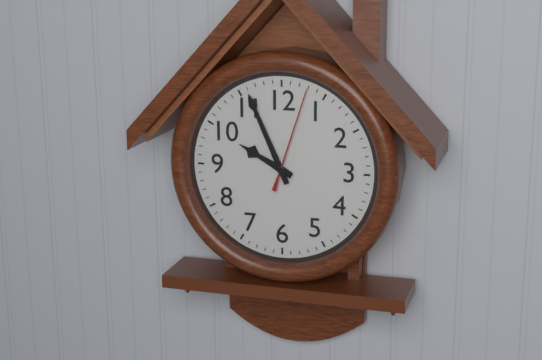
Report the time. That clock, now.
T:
9:56:03
